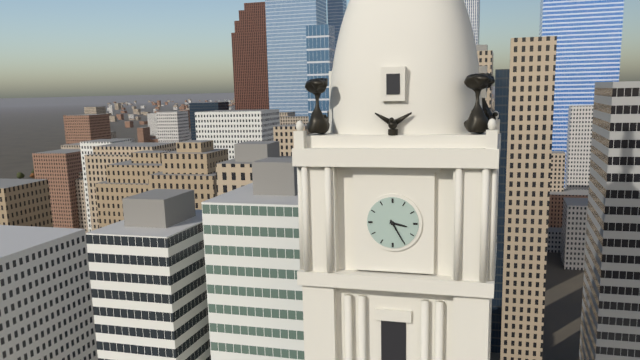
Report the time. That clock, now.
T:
3:25
